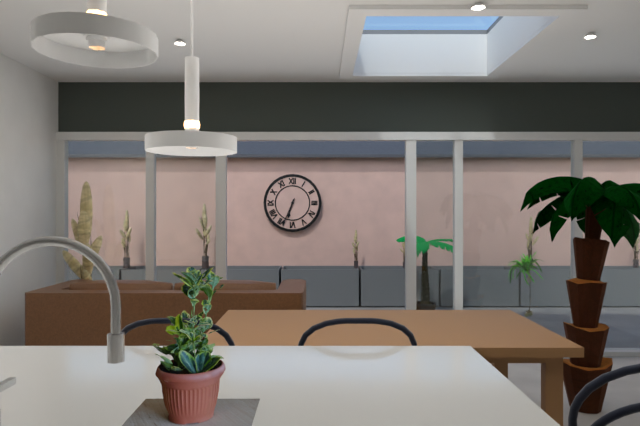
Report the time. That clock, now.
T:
6:34
